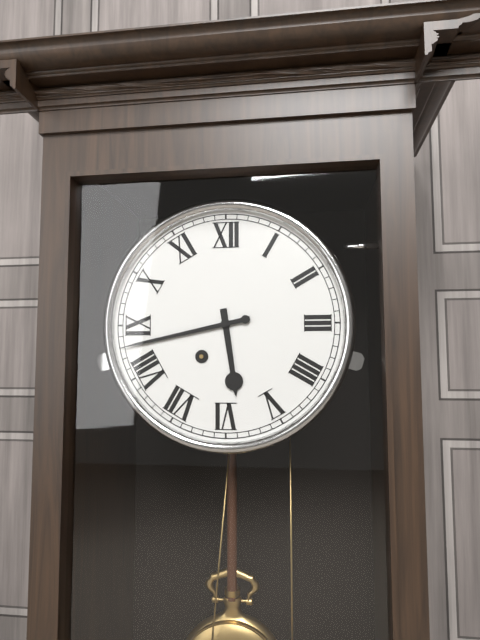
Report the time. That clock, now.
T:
5:43
